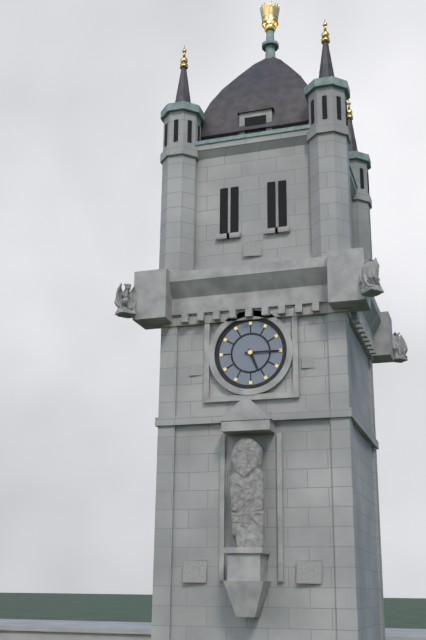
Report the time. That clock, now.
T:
5:15
